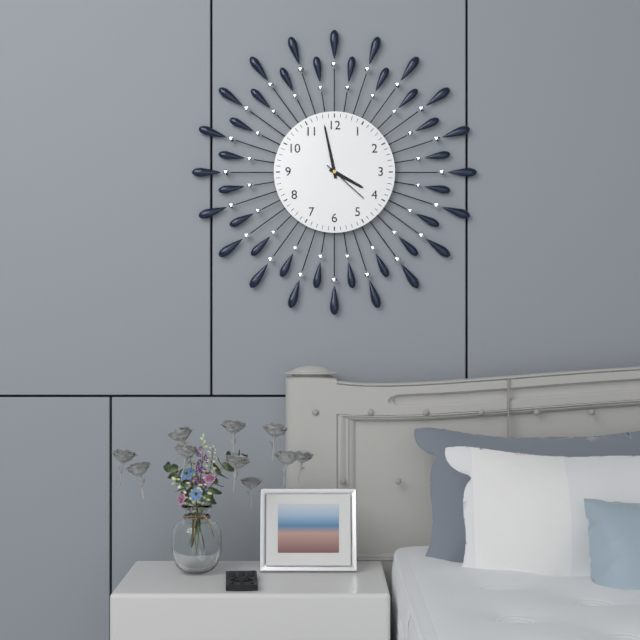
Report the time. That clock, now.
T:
3:58:22
